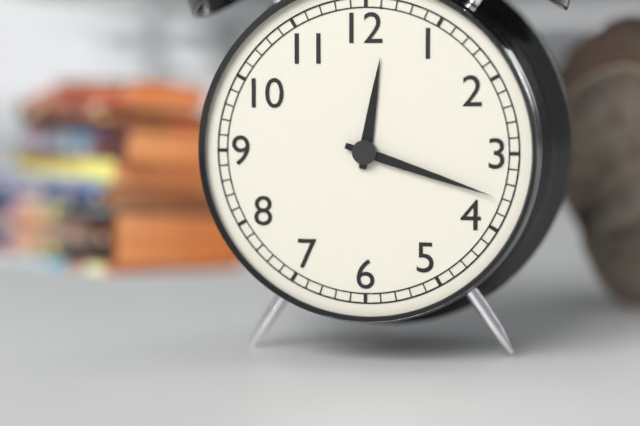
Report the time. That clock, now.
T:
12:18
